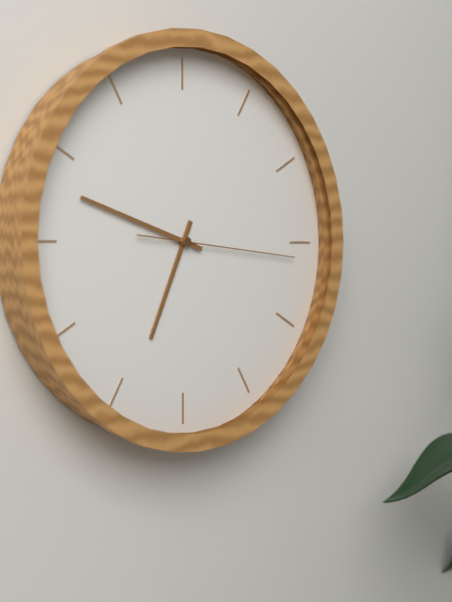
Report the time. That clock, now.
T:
6:48:16
